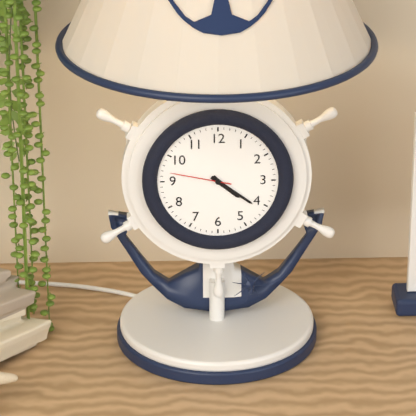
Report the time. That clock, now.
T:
4:21:47
